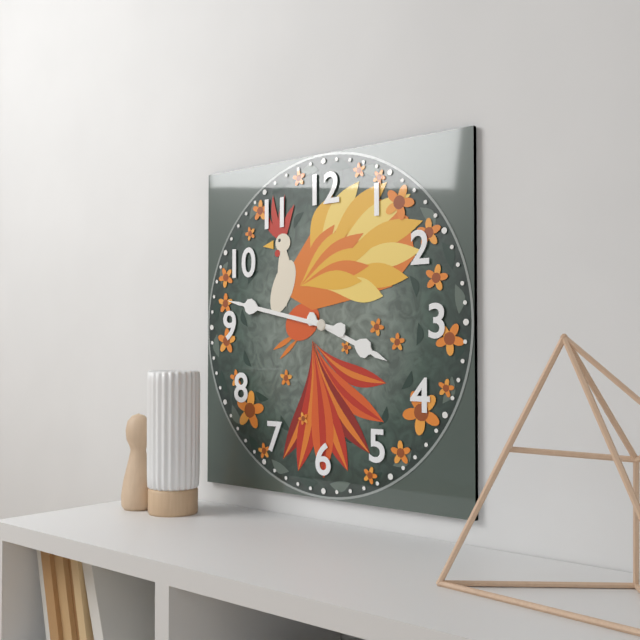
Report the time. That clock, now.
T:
3:47
